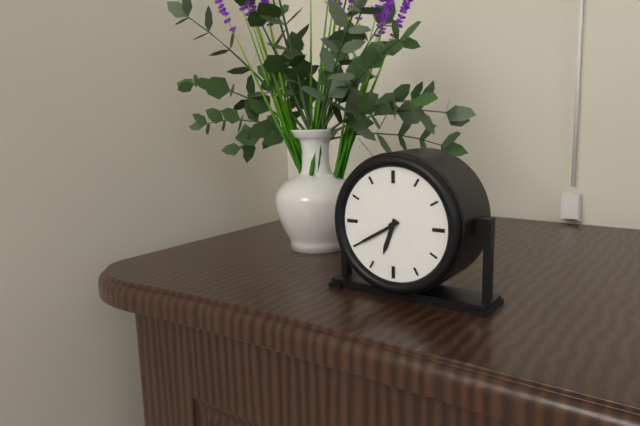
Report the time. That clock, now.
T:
6:40
